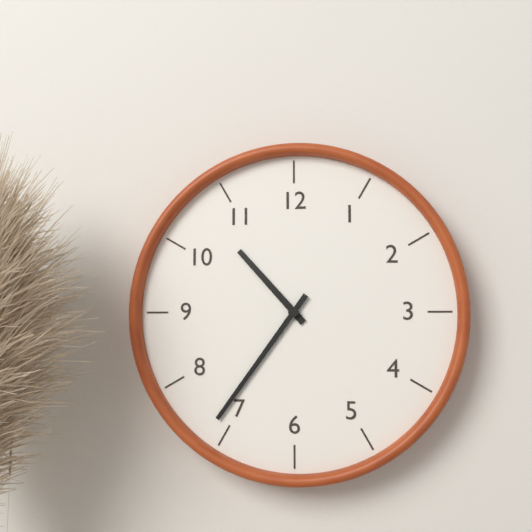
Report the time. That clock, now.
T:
10:36
